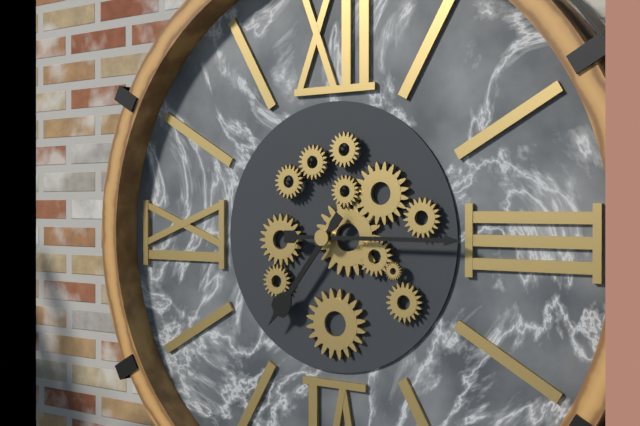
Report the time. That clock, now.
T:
7:15
